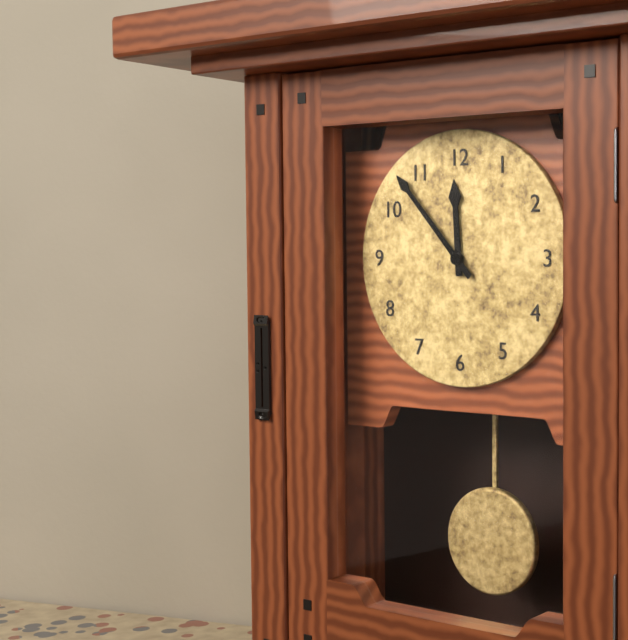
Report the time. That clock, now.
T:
11:53
